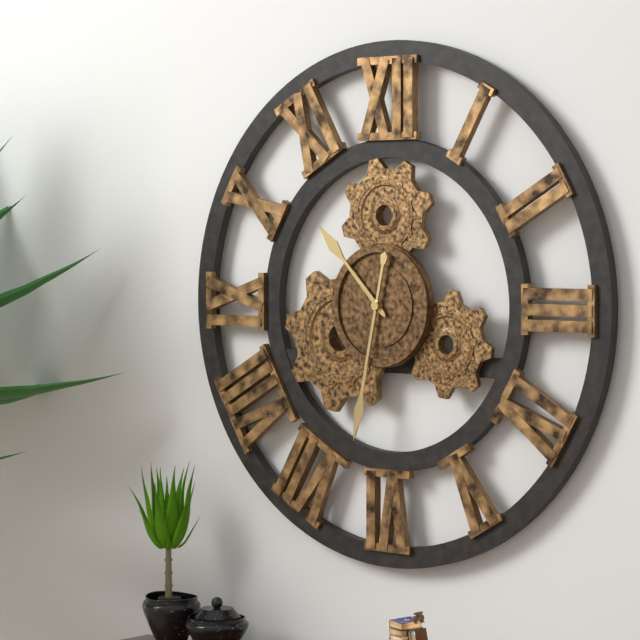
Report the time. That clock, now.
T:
10:32
